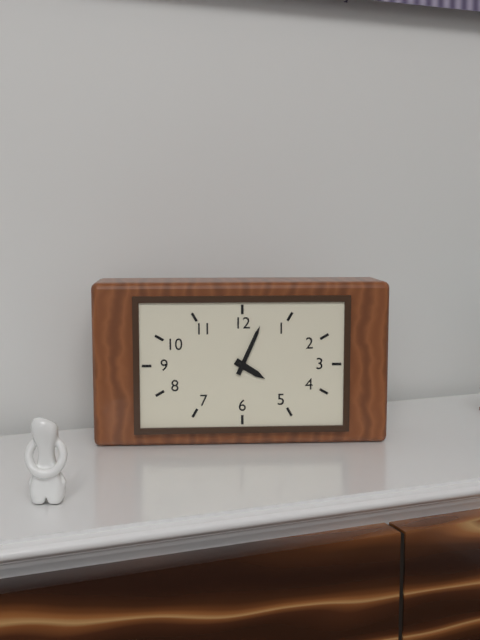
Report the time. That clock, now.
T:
4:04
